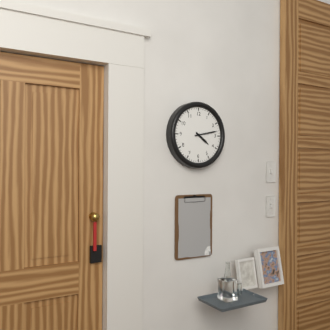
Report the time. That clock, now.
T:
4:13
